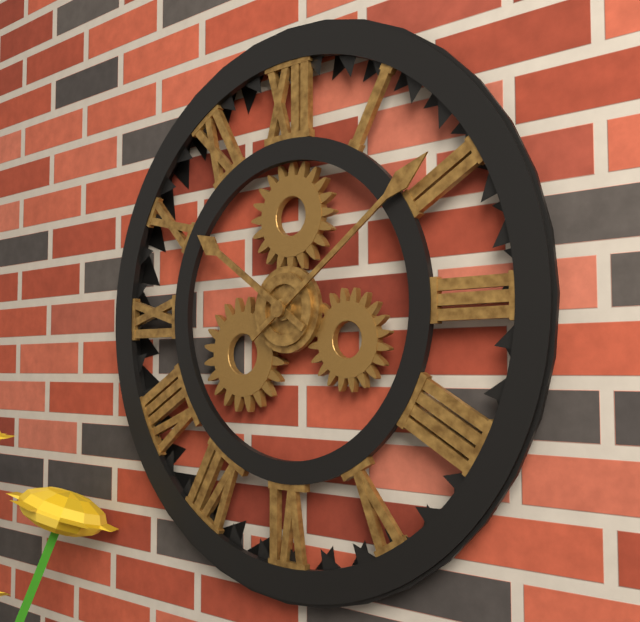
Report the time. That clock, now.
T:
10:09
